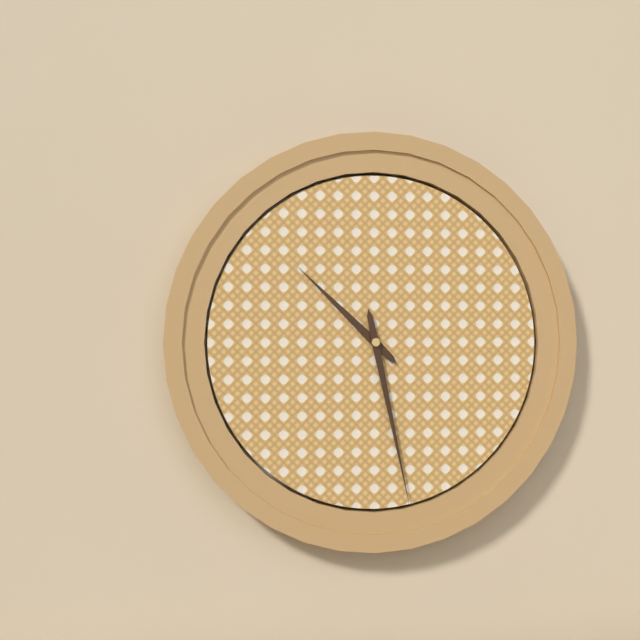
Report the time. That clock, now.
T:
10:28
